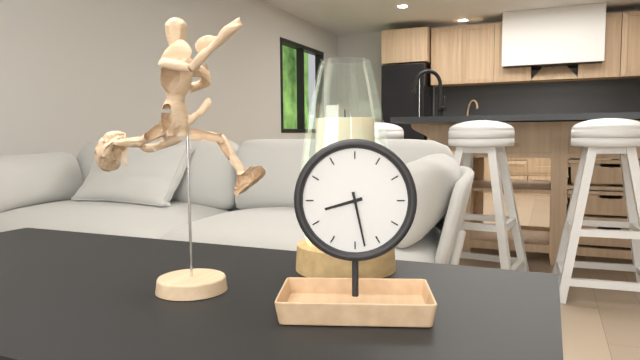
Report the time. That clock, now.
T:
8:28
